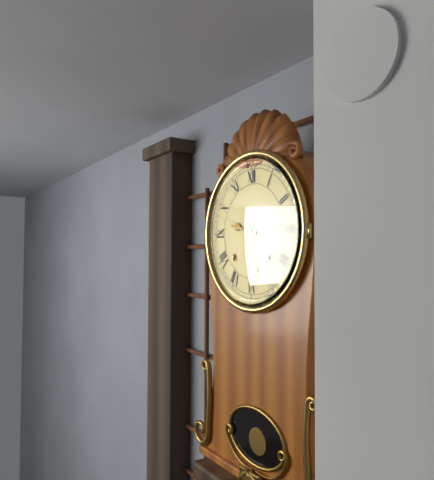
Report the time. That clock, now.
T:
9:28
